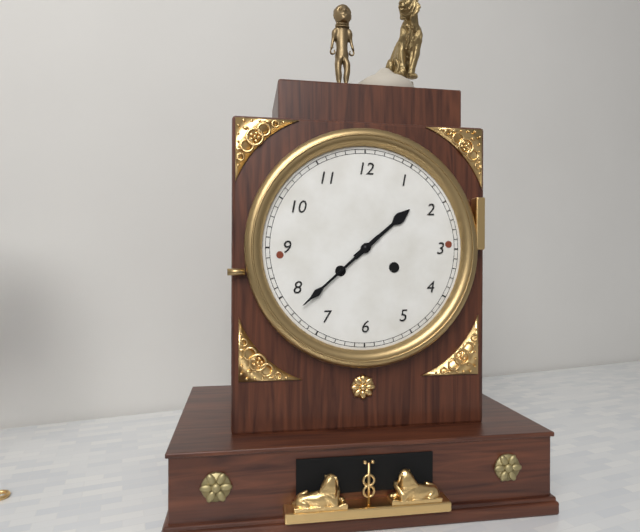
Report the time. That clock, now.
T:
1:38
